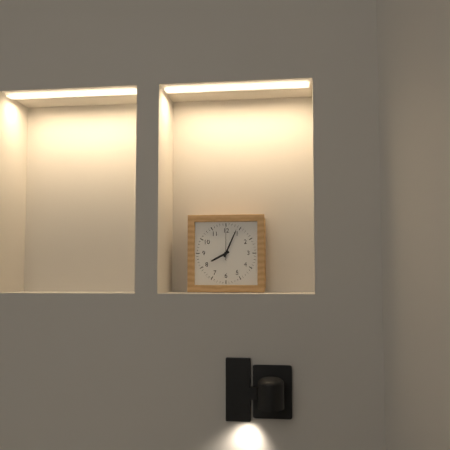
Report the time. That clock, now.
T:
8:04
